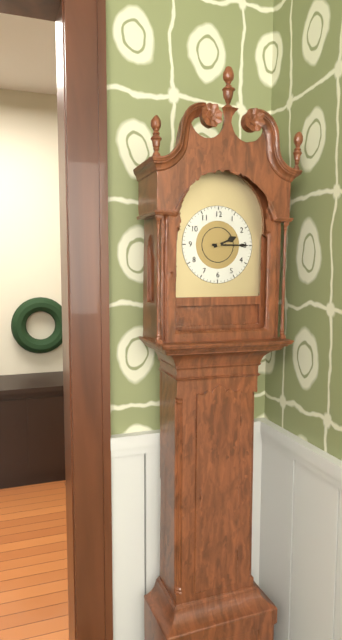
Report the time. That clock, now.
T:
2:15
